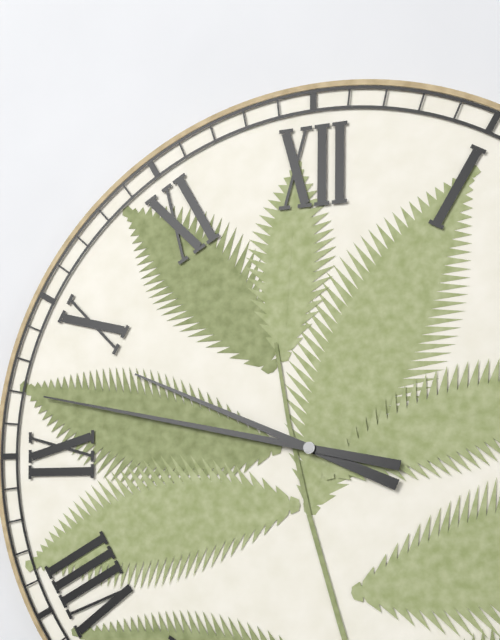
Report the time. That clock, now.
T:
9:47
